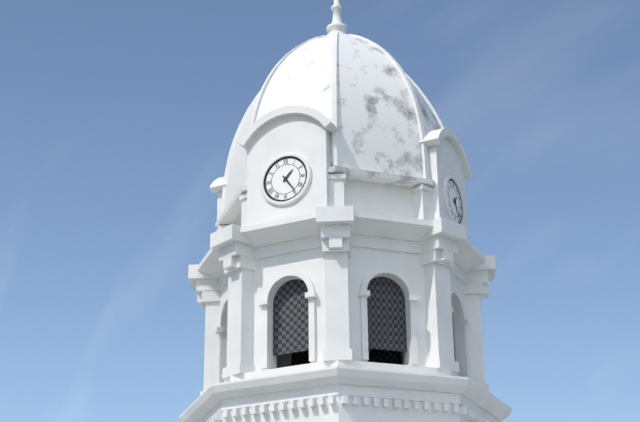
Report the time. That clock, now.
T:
1:24
